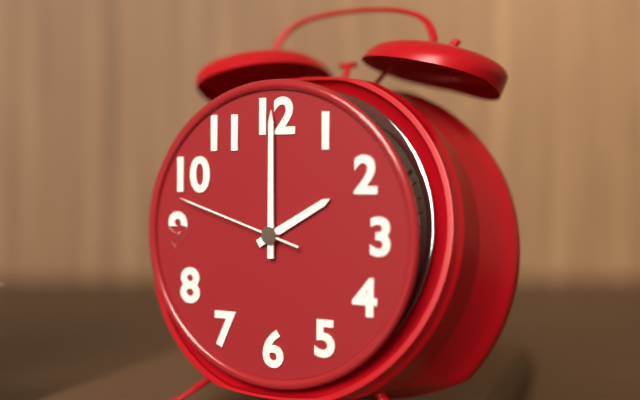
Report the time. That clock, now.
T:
2:00:48
